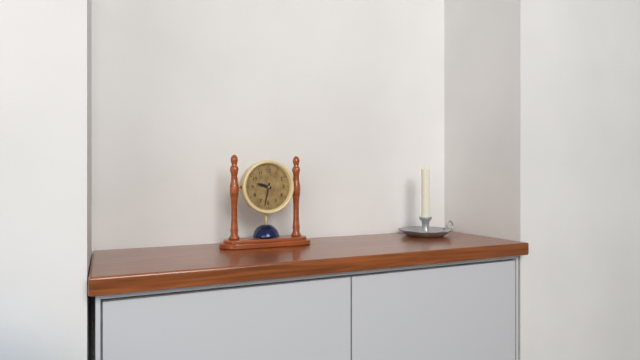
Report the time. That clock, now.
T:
9:32
